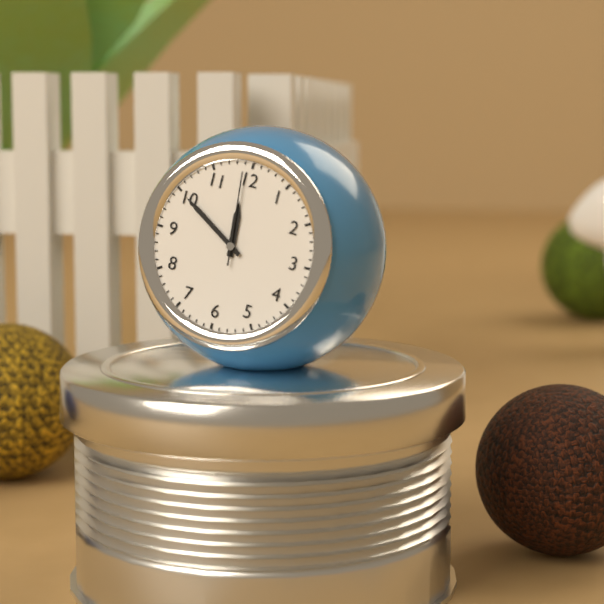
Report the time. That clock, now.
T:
11:50:59
